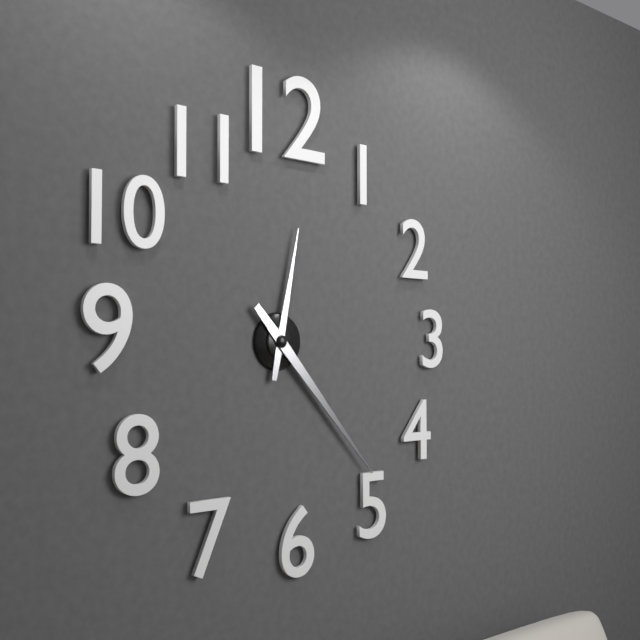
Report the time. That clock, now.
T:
12:23
